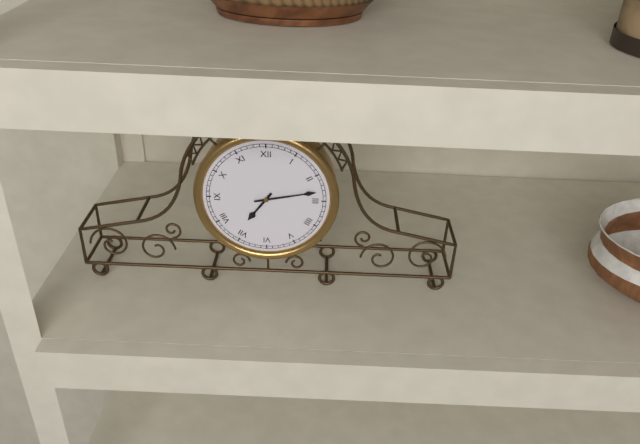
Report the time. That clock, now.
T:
7:13
